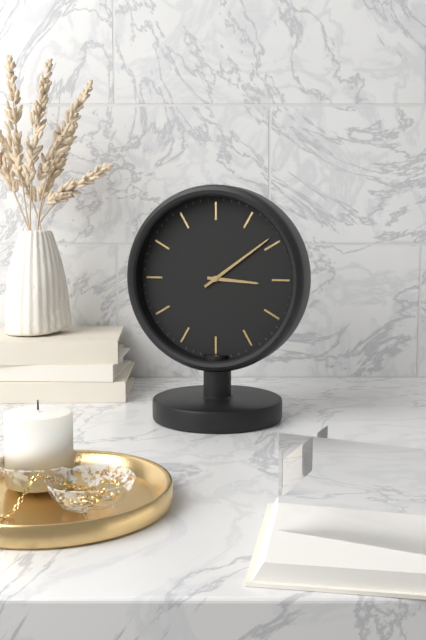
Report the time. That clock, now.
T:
3:09
